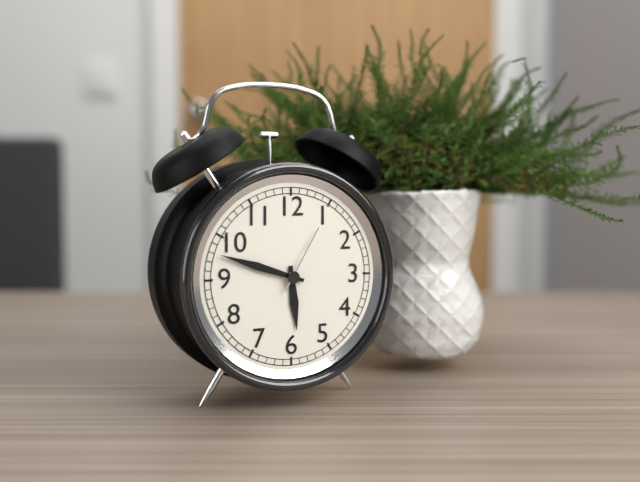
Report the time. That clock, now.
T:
5:48:05
